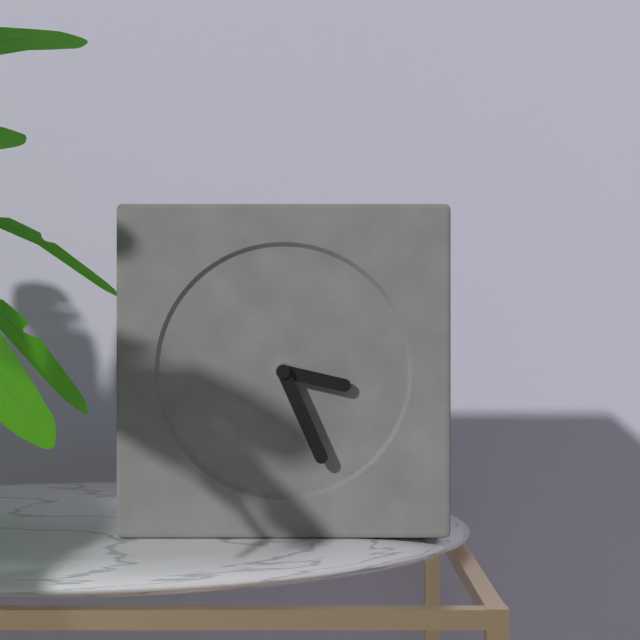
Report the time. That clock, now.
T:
3:26
